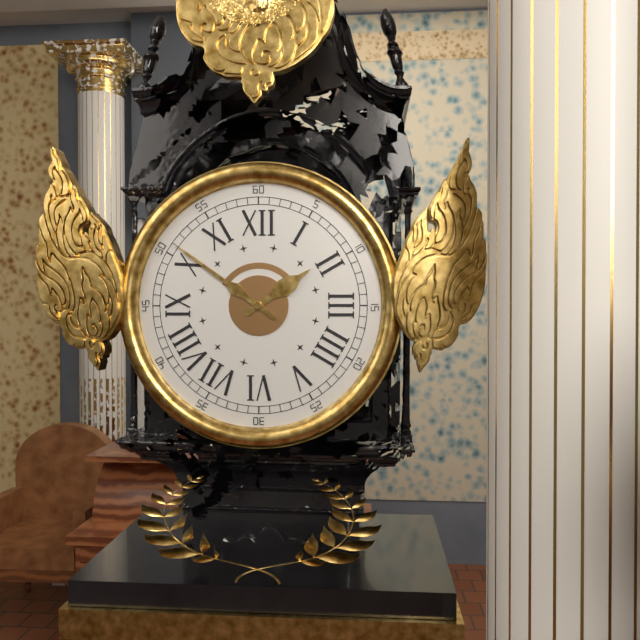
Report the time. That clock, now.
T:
1:51
